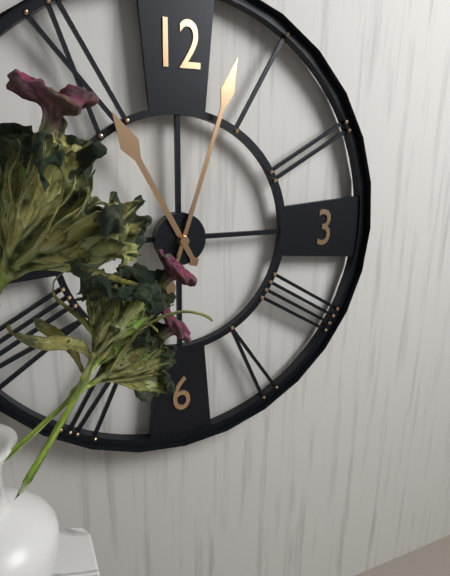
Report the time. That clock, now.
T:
11:03
